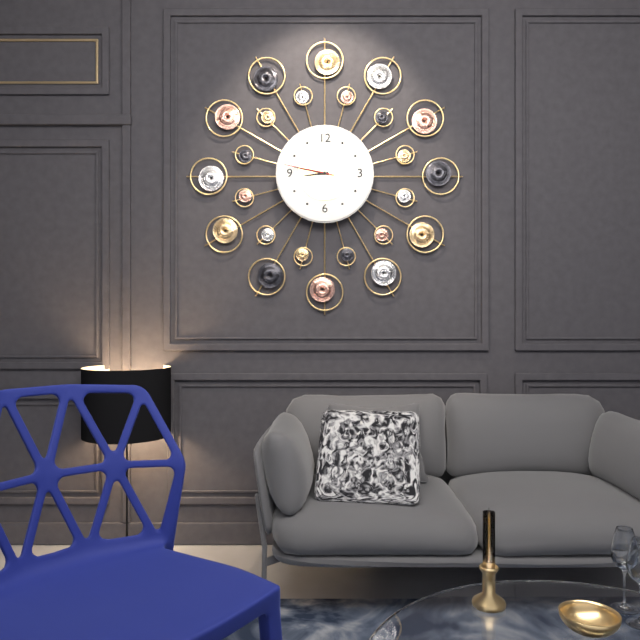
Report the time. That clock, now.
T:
8:47:47
